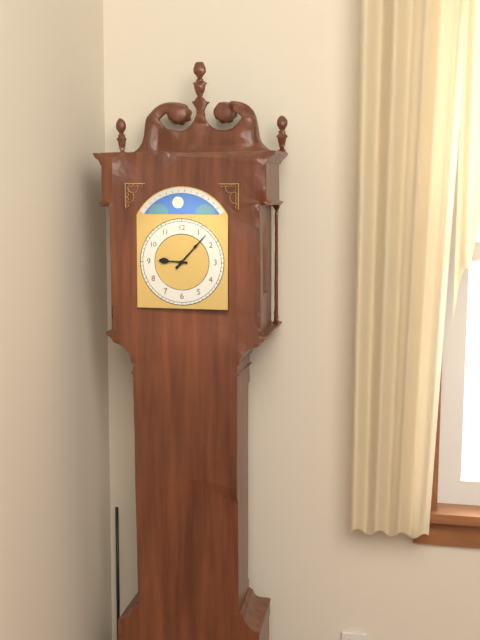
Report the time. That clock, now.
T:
9:07
